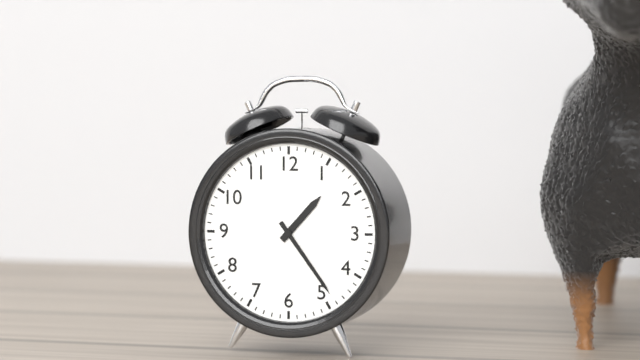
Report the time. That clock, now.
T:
1:24
